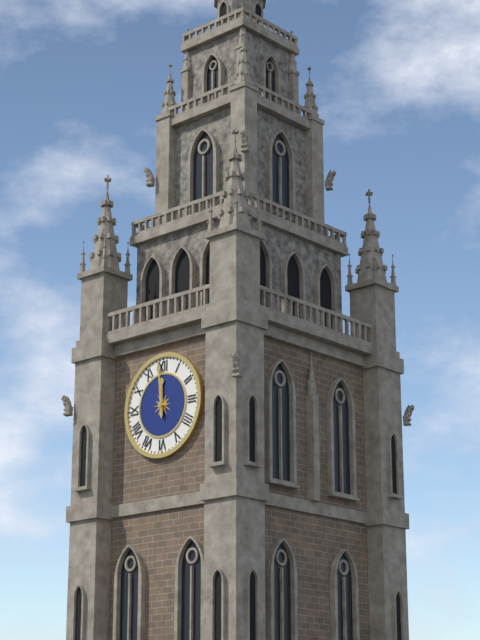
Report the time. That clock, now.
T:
11:59
